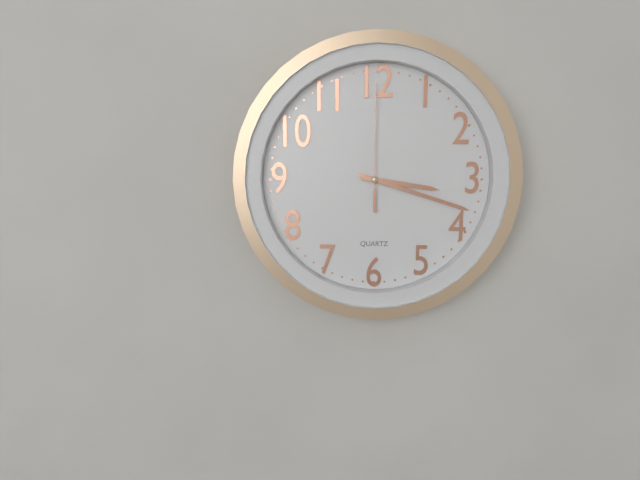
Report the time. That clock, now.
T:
3:18:00
